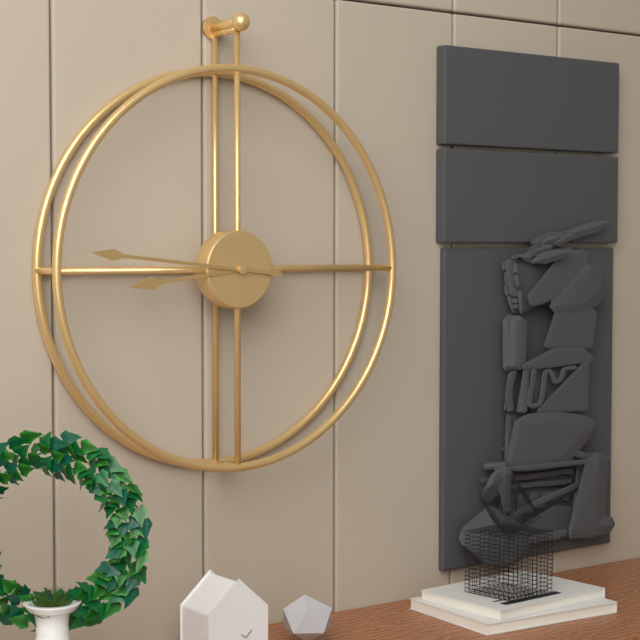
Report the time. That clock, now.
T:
8:46
